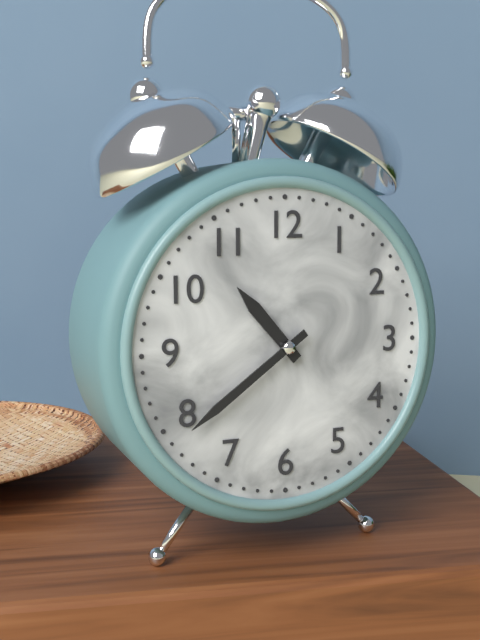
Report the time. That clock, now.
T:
10:39
